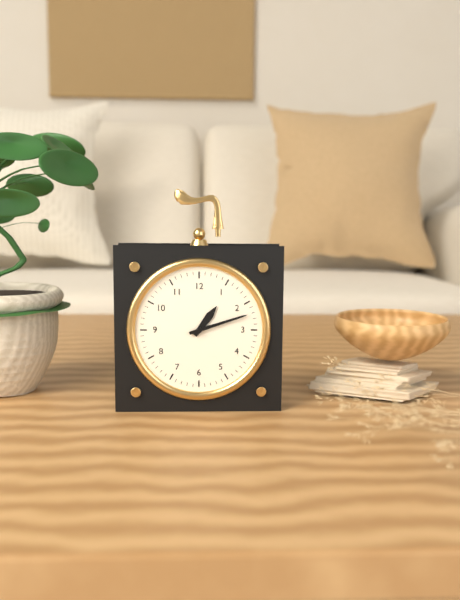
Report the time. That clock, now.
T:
1:12
